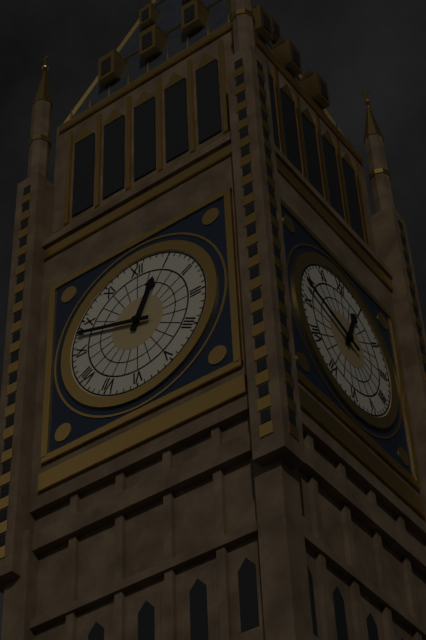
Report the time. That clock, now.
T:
12:48
